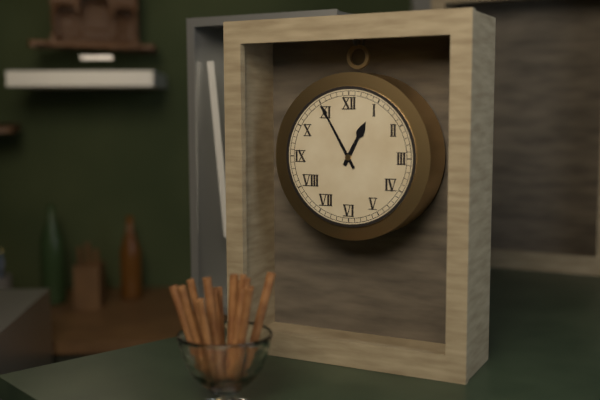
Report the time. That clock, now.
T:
12:55
